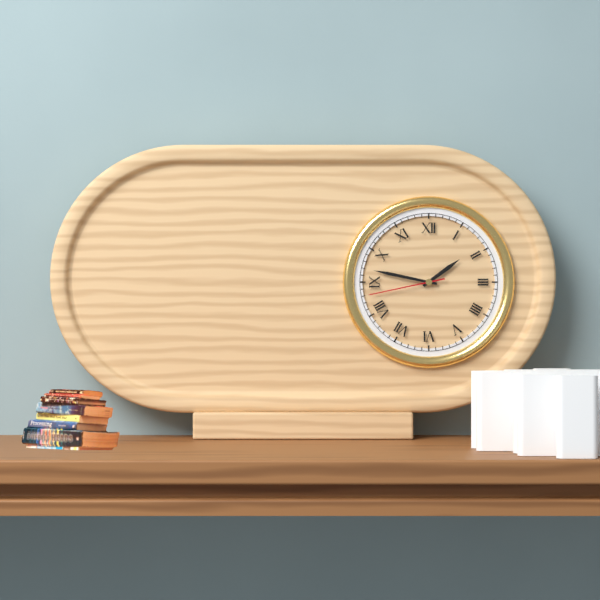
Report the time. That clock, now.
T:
1:47:43
